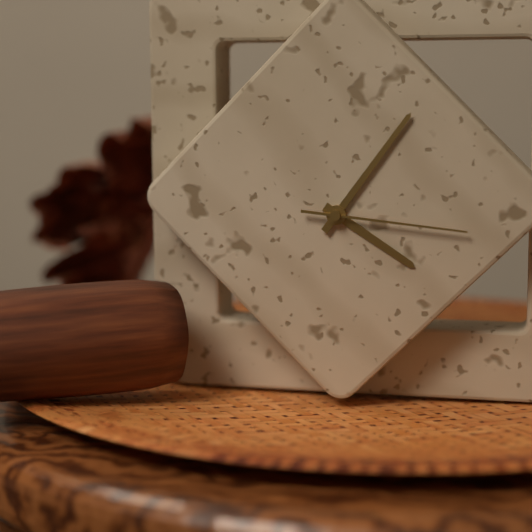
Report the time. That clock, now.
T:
4:06:16
